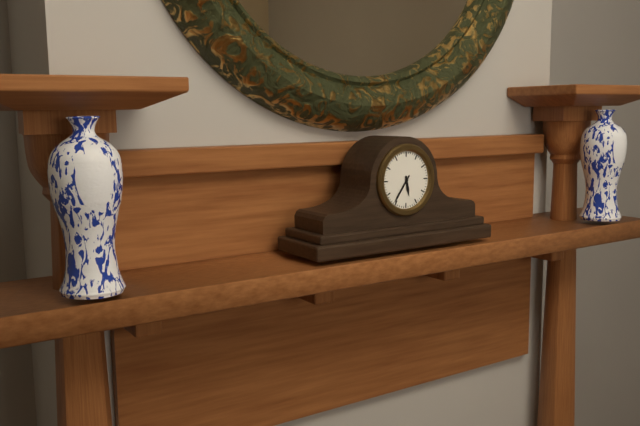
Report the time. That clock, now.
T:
5:36
